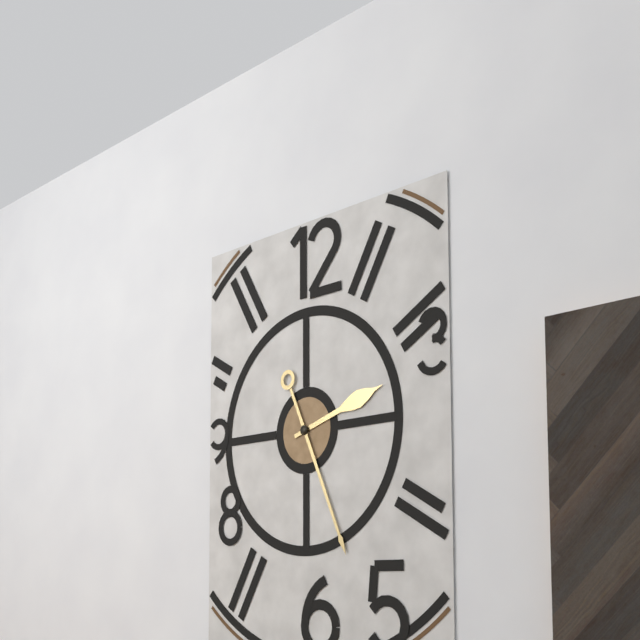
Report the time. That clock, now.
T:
2:26
